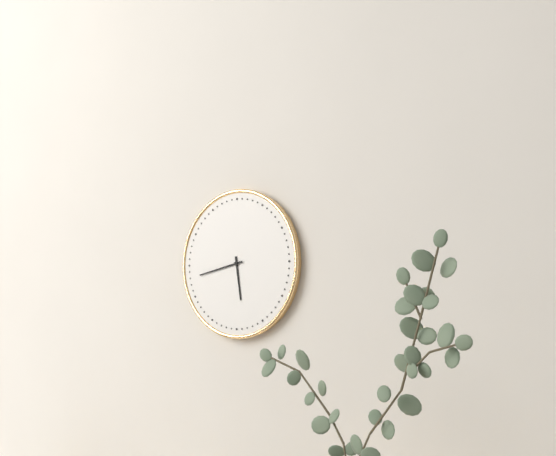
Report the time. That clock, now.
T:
5:43
